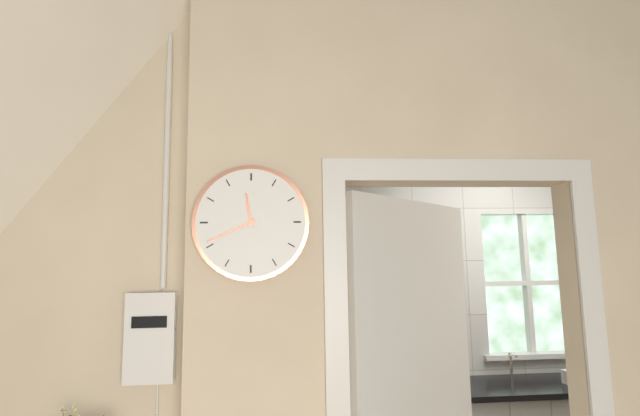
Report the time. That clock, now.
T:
11:41
